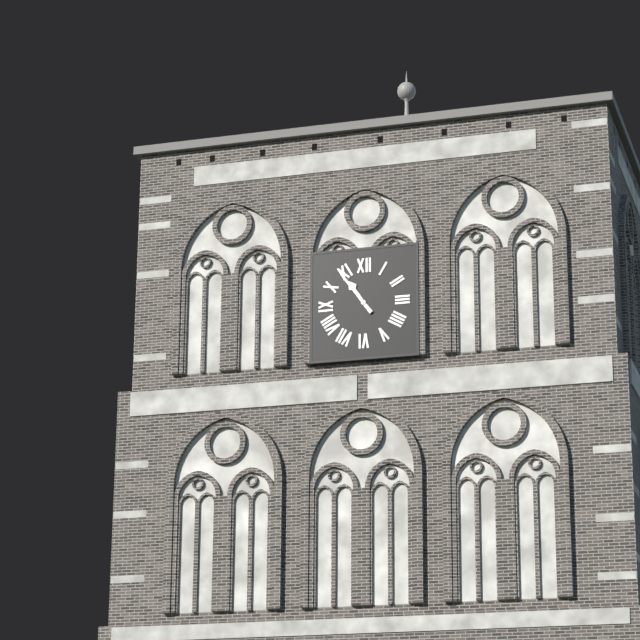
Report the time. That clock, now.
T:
10:54
